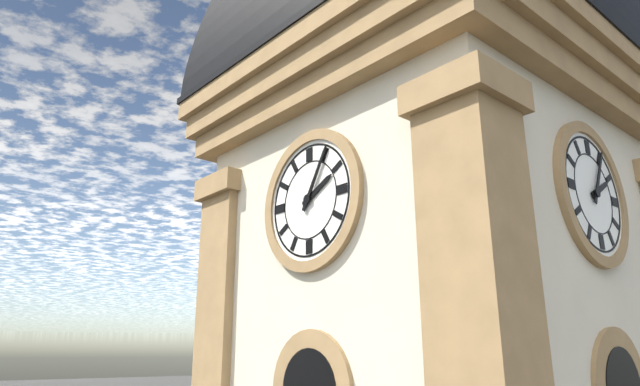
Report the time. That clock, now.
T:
2:05
